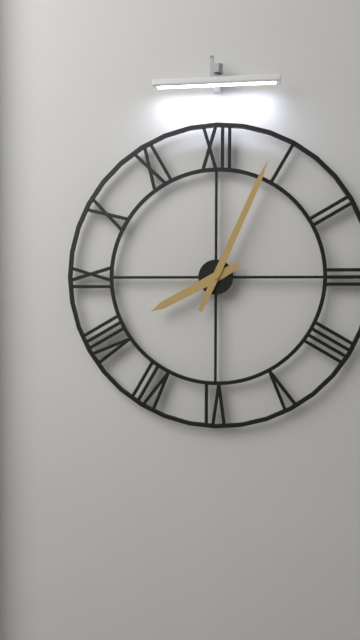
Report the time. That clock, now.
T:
8:04
